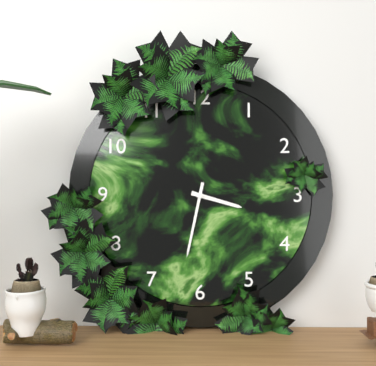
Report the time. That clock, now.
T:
3:32
